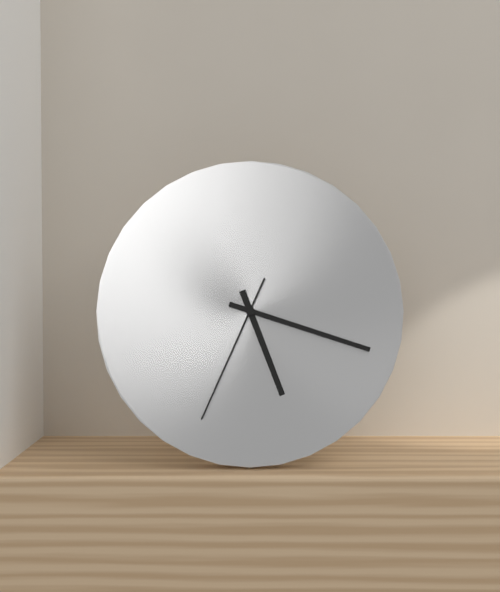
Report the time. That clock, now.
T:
5:18:34
